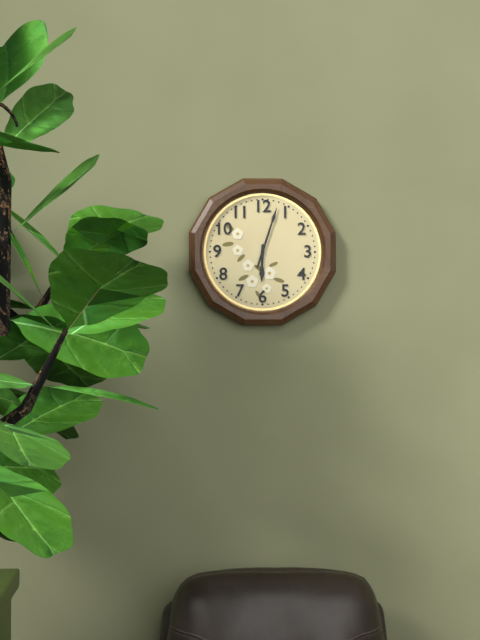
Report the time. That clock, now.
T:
6:03
